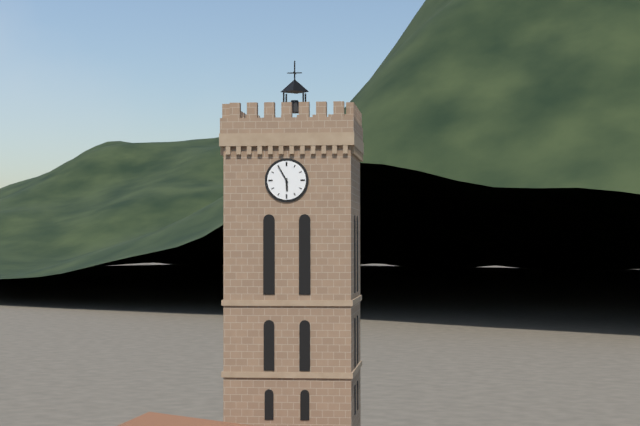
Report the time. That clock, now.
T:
5:55
